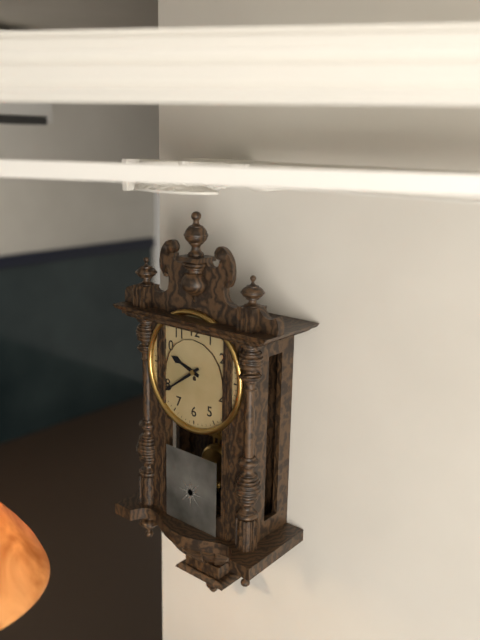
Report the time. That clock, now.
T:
9:39
